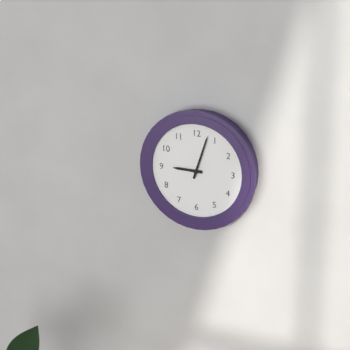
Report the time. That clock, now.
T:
9:03
